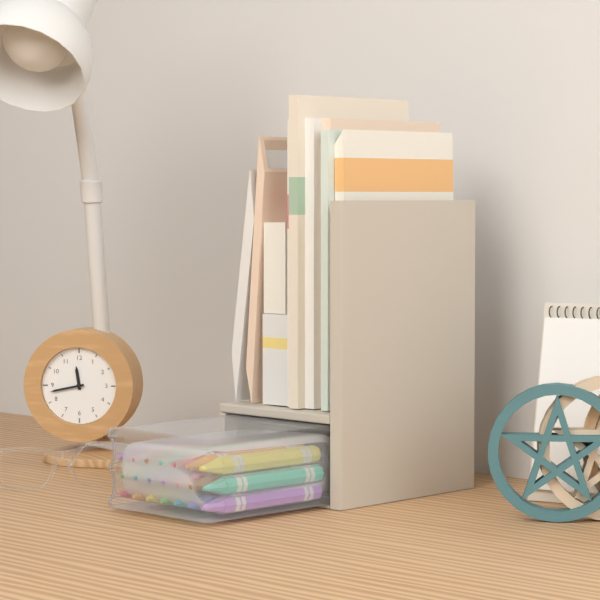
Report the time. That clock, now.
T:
11:43
